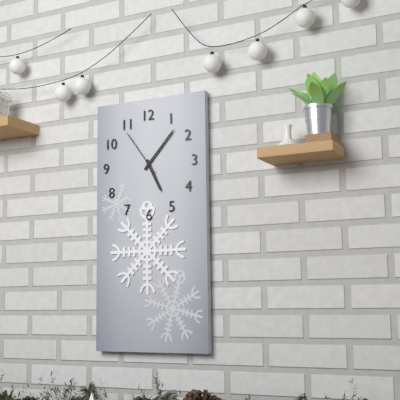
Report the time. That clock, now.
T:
5:07
